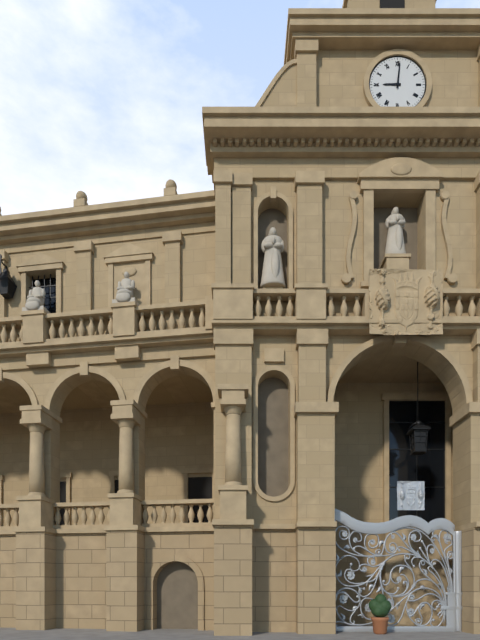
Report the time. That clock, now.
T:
9:01
